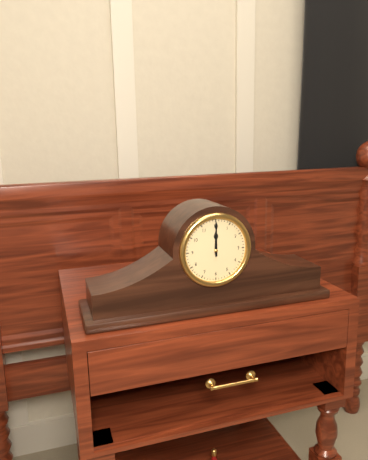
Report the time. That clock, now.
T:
12:00
